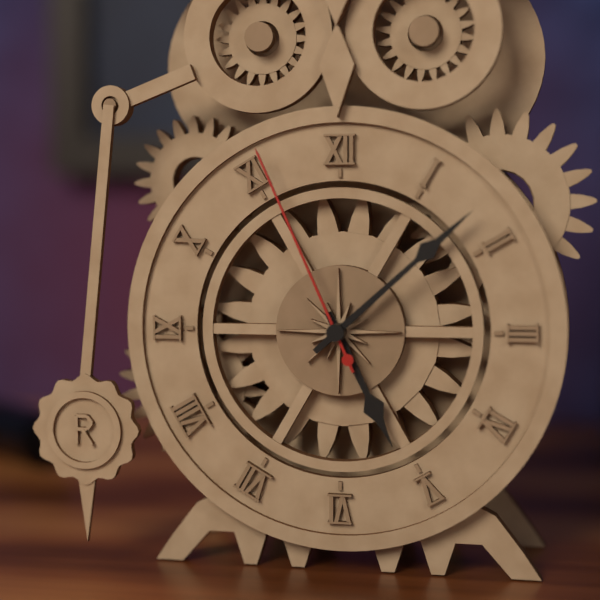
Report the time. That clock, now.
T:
5:08:56
